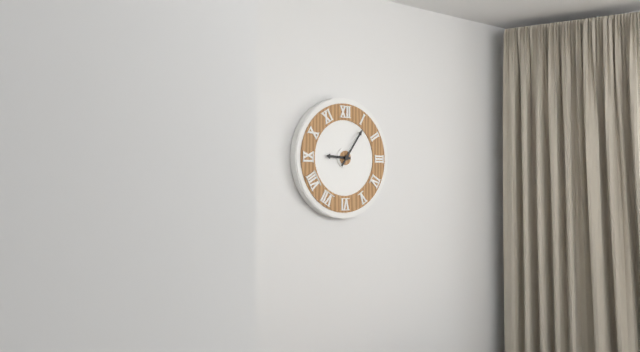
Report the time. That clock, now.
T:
9:06
